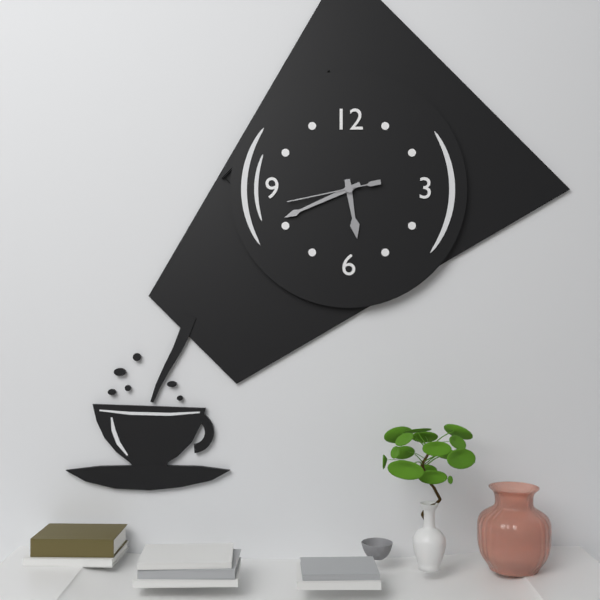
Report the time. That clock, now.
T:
5:41:43
